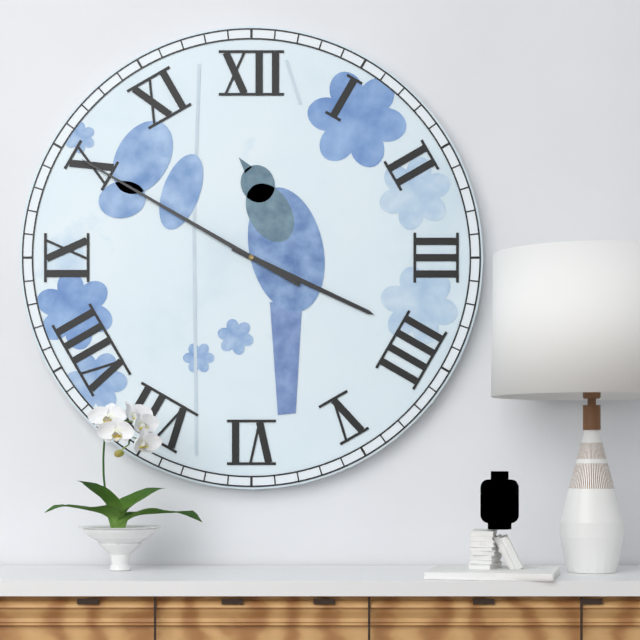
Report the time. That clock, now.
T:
3:50
